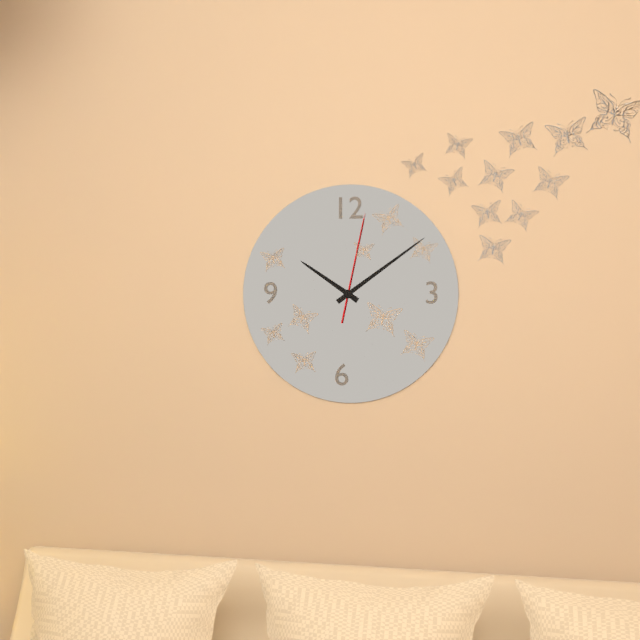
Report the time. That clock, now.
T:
10:09:02
